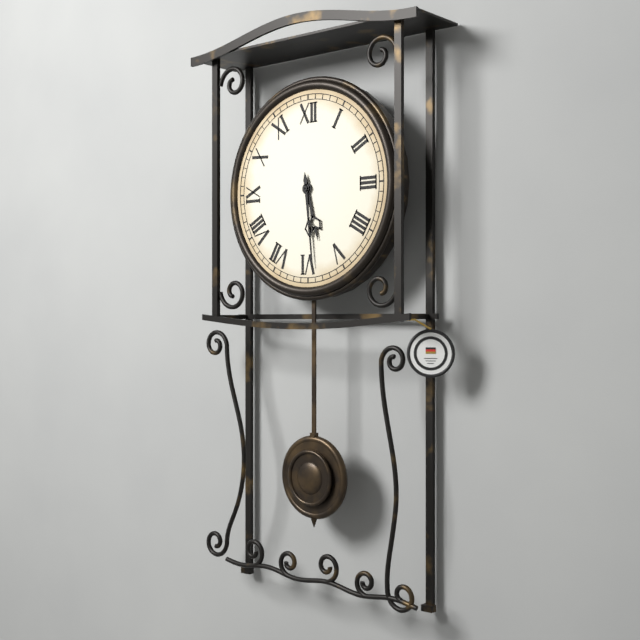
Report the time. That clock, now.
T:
5:29
